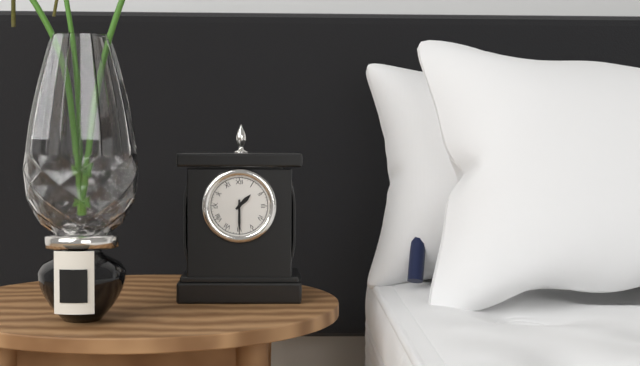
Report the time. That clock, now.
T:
1:30
